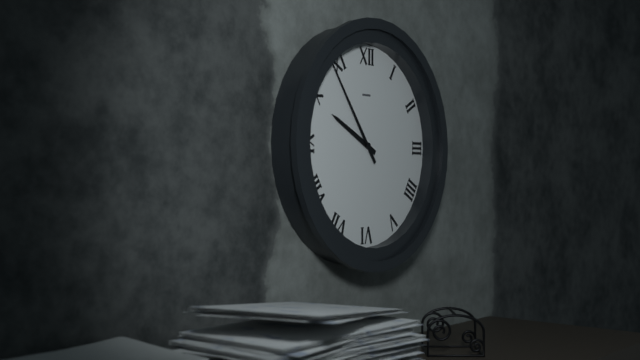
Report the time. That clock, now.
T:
9:54
